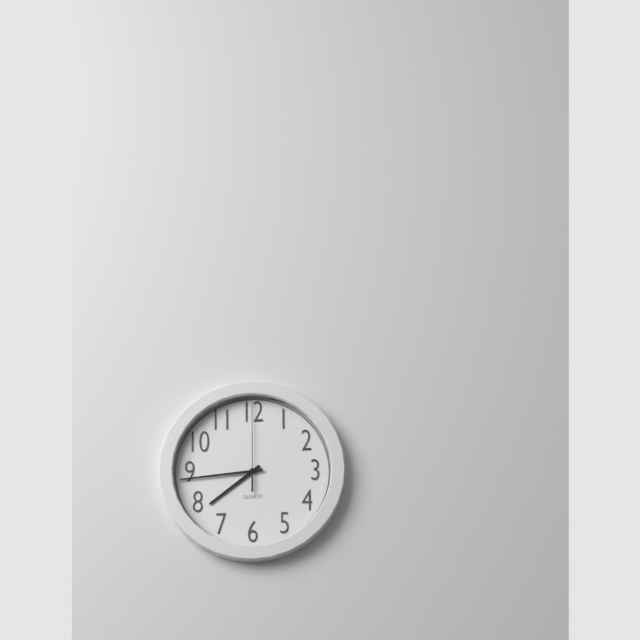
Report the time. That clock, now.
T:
7:44:00
